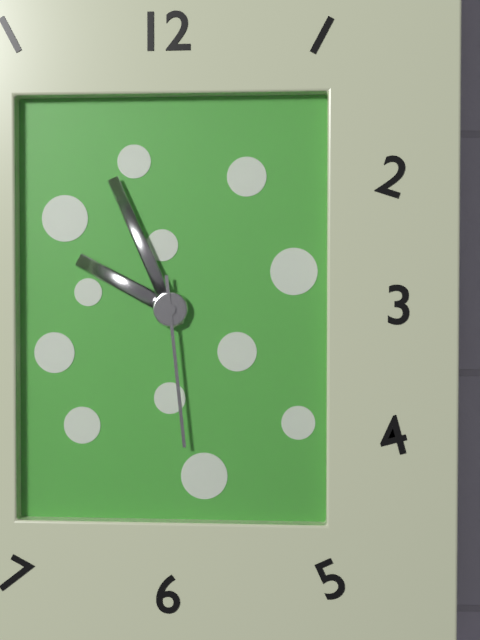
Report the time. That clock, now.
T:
9:56:29
